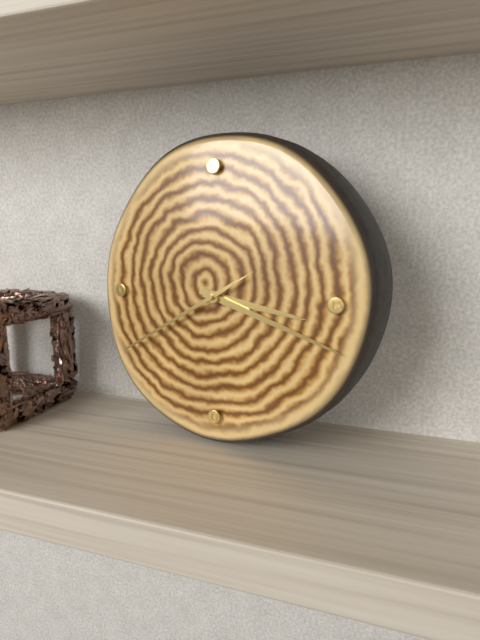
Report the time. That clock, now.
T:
3:18:40
